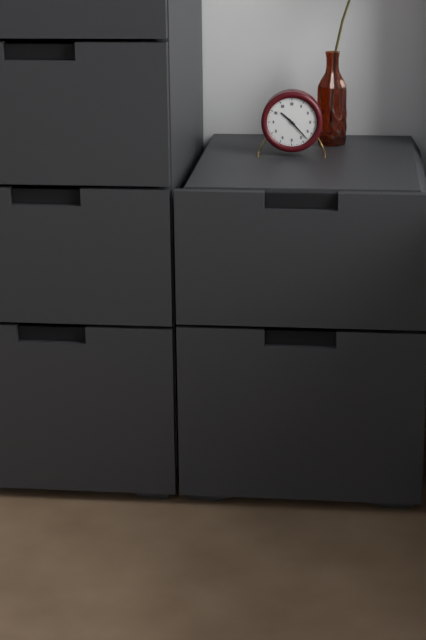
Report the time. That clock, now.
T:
10:23
